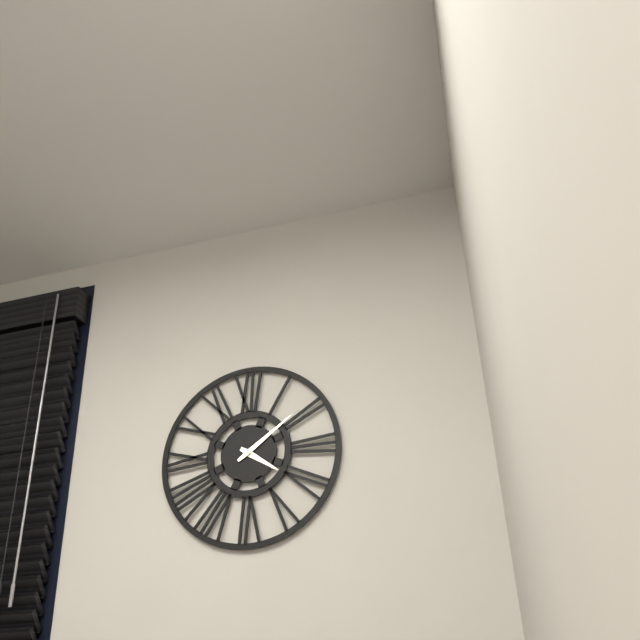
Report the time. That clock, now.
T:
4:09
